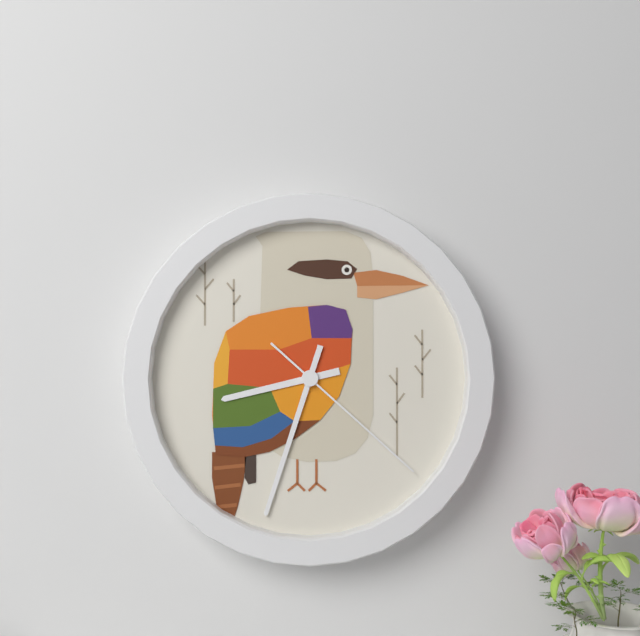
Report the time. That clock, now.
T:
8:33:22
